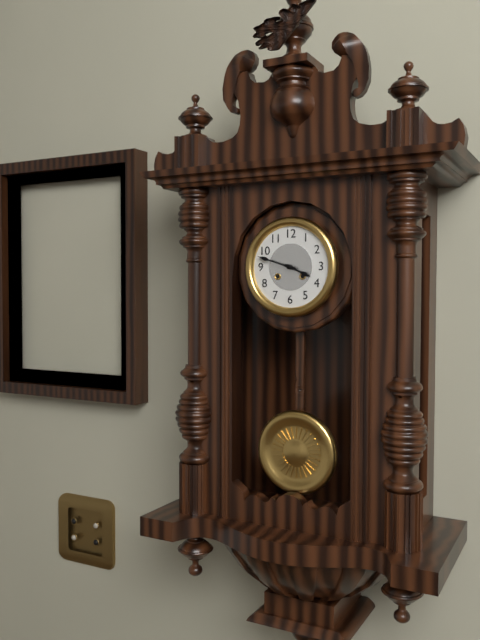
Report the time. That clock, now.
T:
3:48
